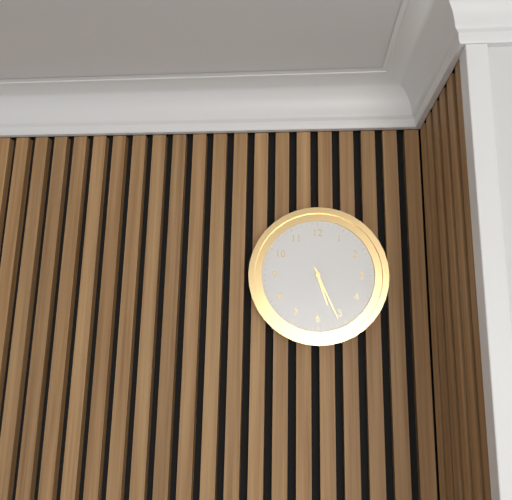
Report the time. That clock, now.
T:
5:26
